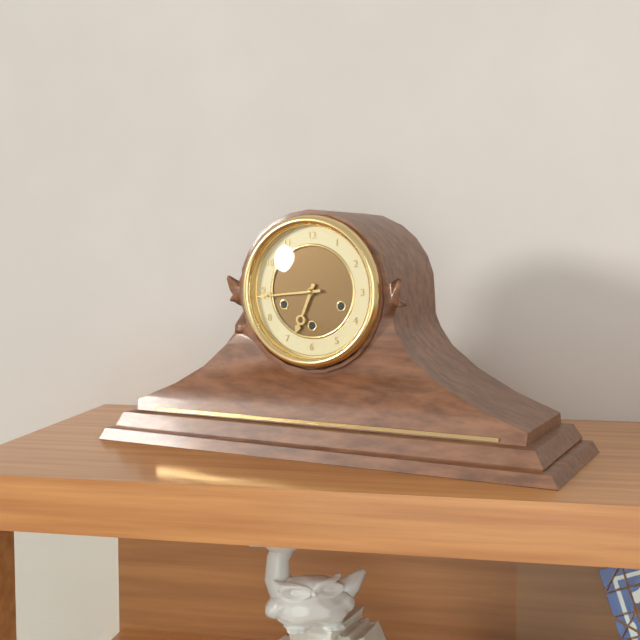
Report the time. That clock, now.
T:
6:44
